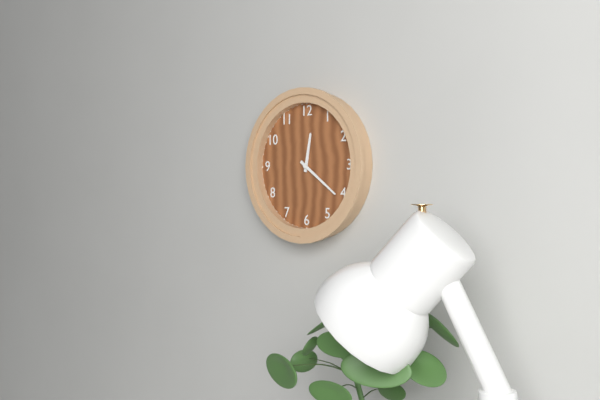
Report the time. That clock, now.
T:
12:21
